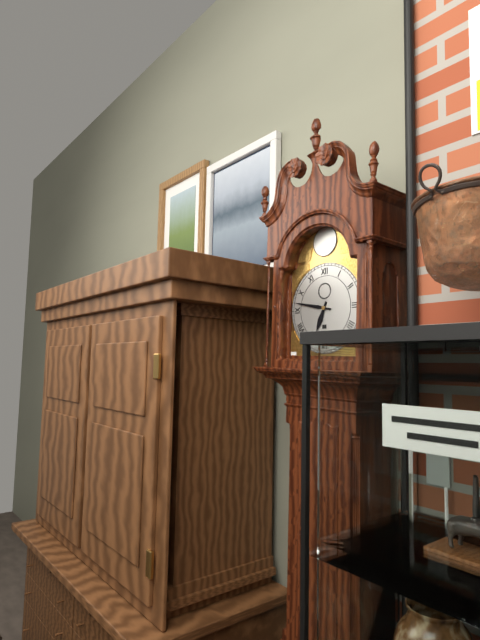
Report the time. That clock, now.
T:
6:47
